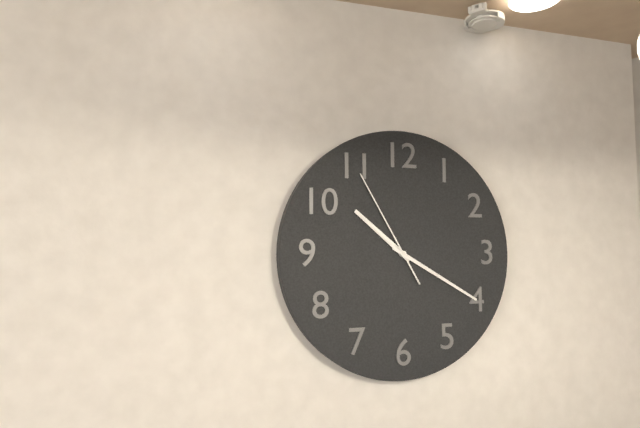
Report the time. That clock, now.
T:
10:20:55
